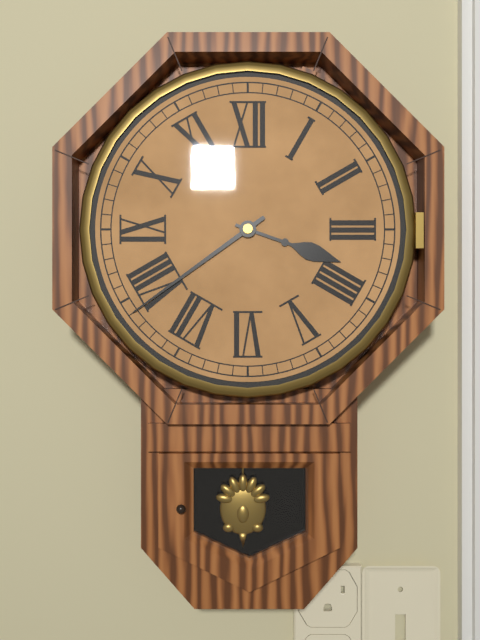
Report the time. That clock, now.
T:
3:39
